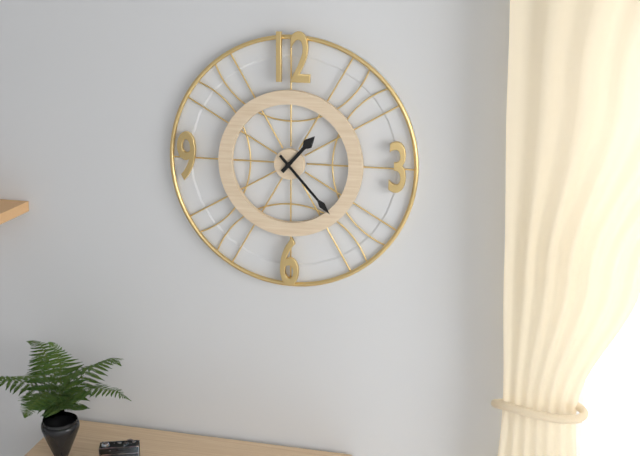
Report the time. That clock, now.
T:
1:23
